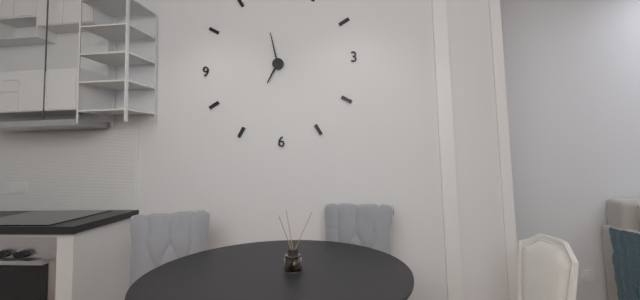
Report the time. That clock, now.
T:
6:58
